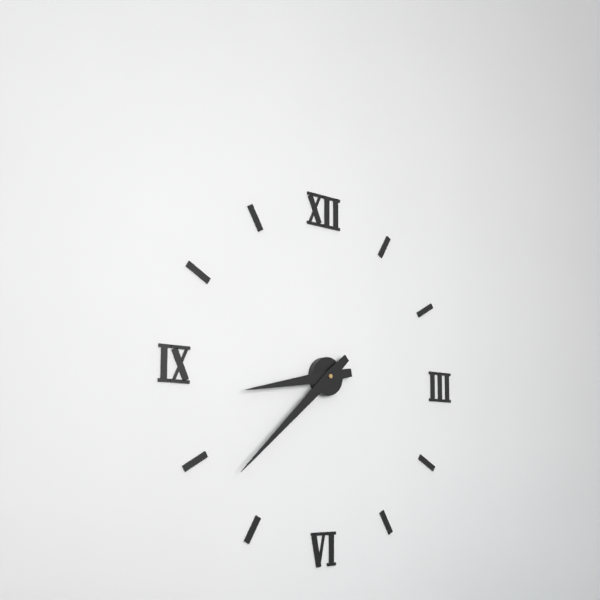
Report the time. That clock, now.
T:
8:38
